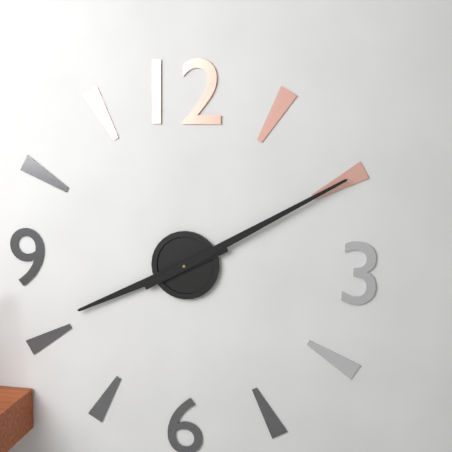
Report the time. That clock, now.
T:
8:10
